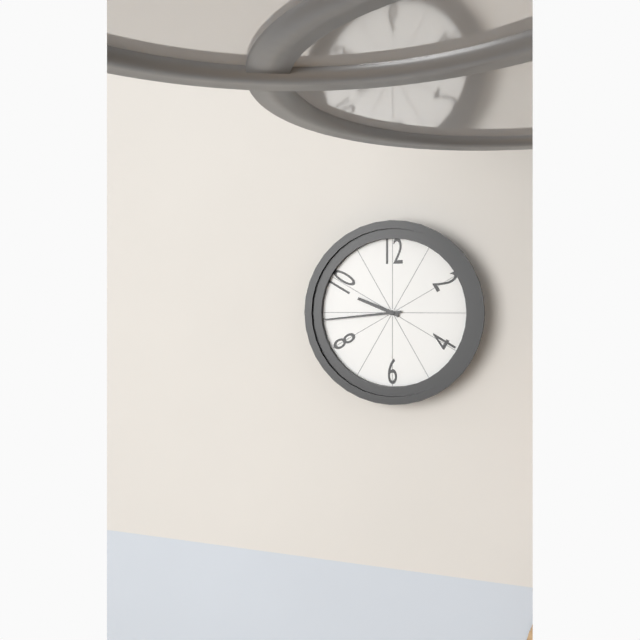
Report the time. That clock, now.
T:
9:44
